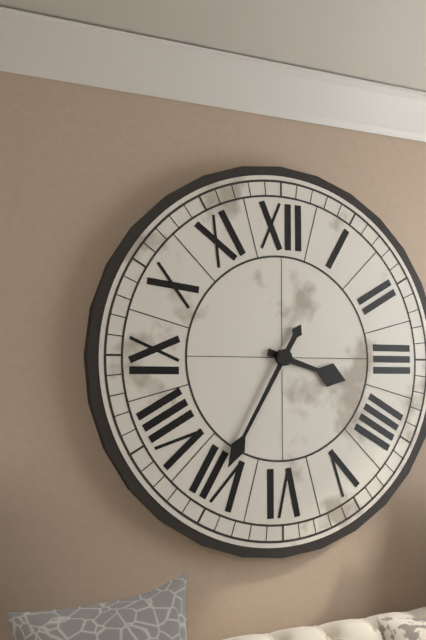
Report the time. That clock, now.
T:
3:35
